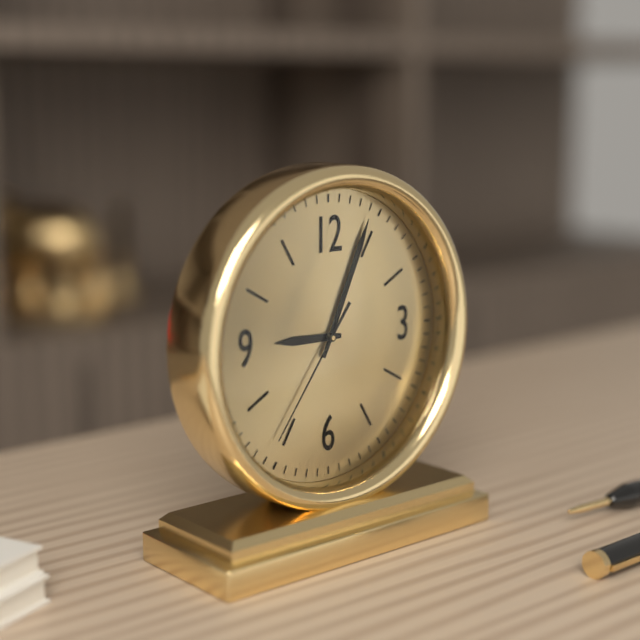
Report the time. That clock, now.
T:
9:04:36
